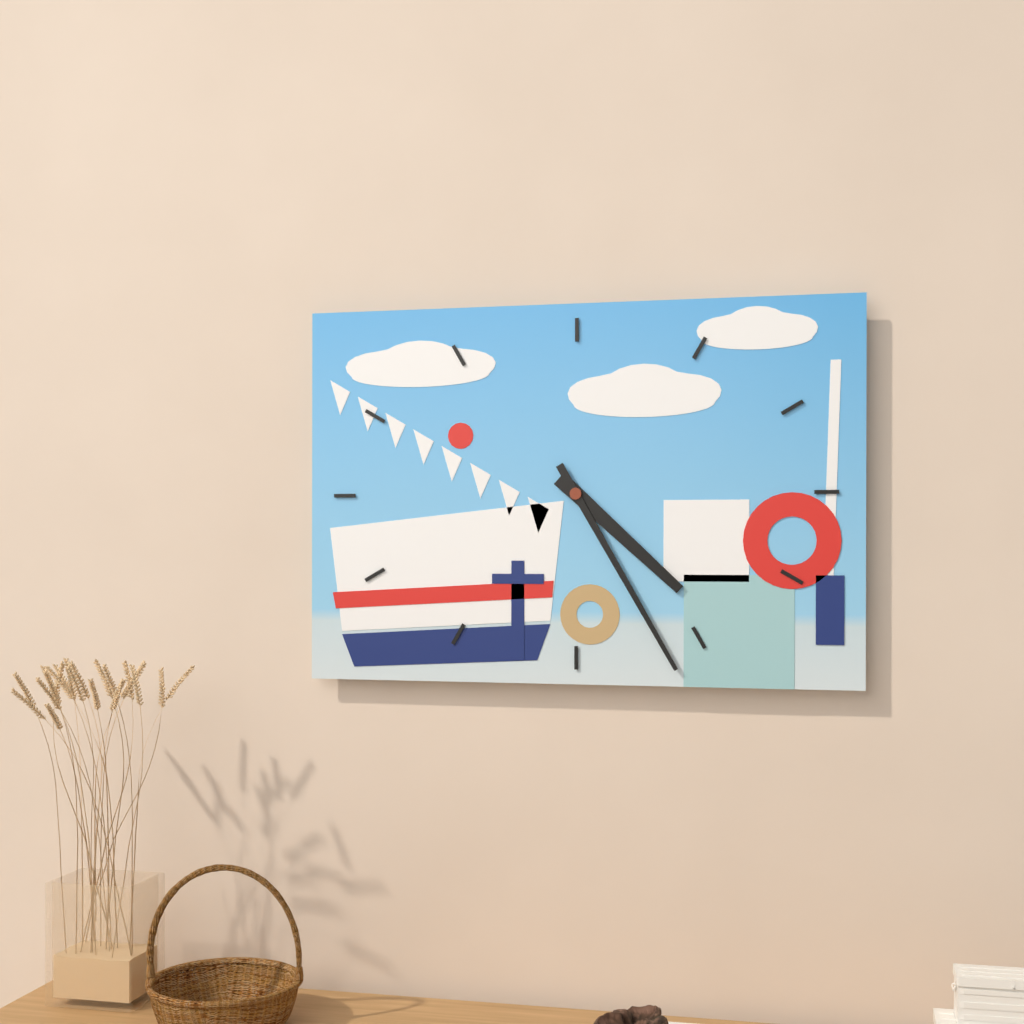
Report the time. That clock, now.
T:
4:25
